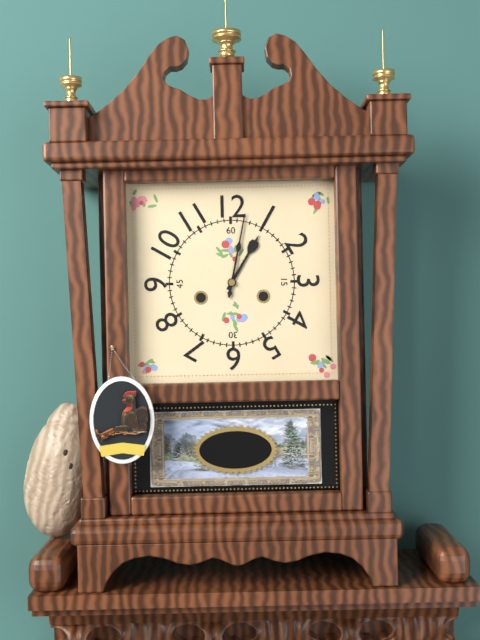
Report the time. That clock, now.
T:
1:02
